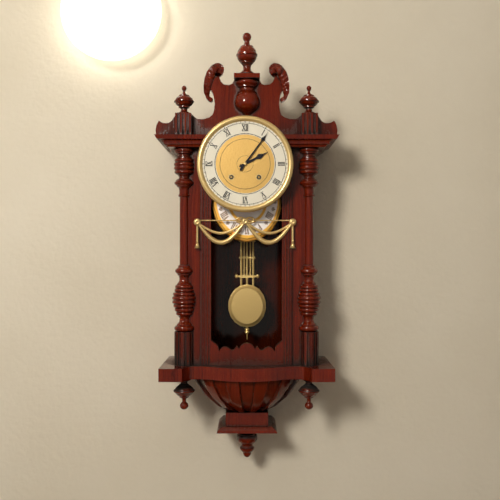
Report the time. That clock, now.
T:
2:06
